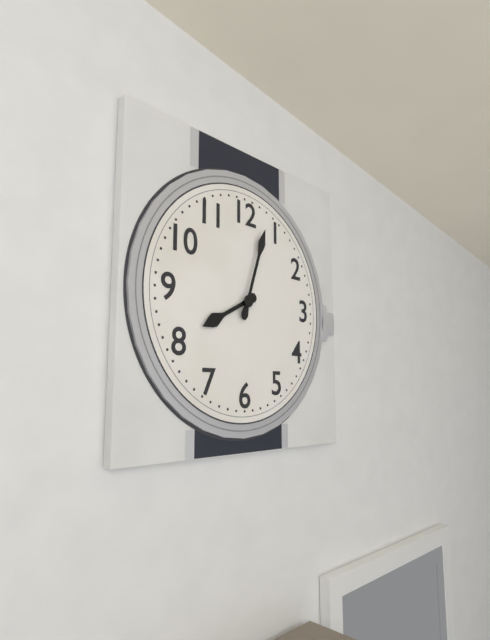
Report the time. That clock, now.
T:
8:03
